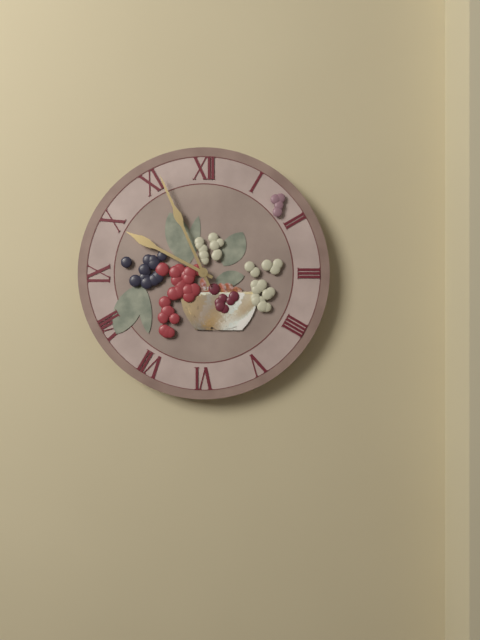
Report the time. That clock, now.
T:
9:56
